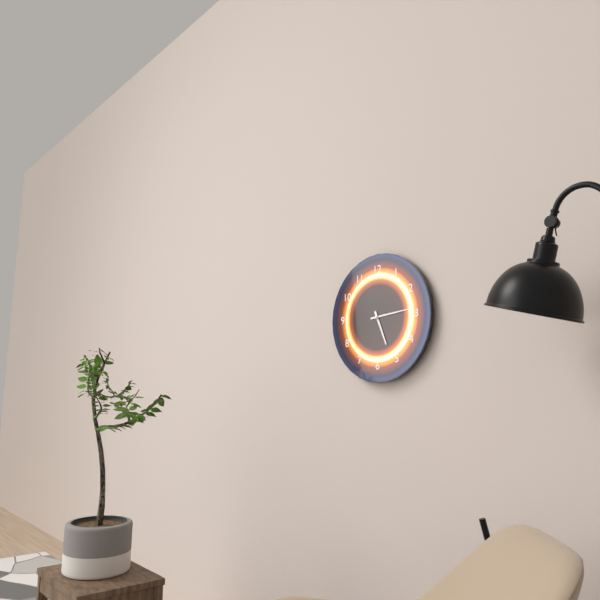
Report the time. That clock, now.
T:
5:14
